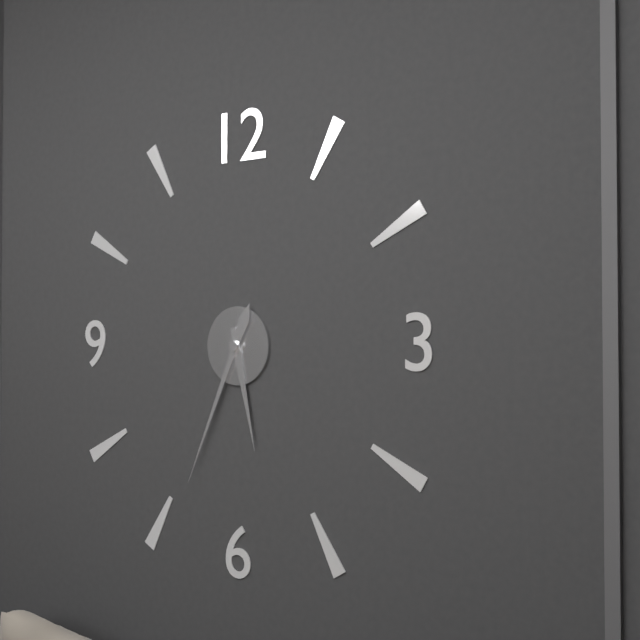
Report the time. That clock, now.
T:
5:34
